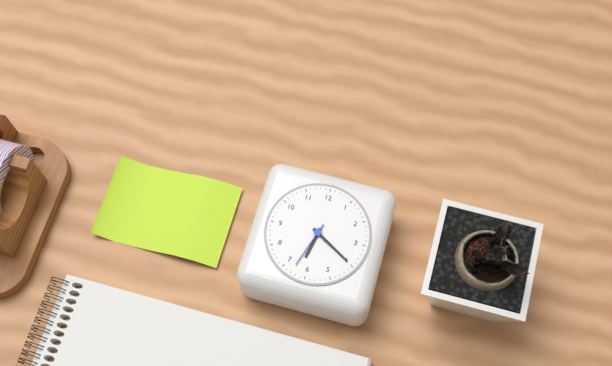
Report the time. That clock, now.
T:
6:20
